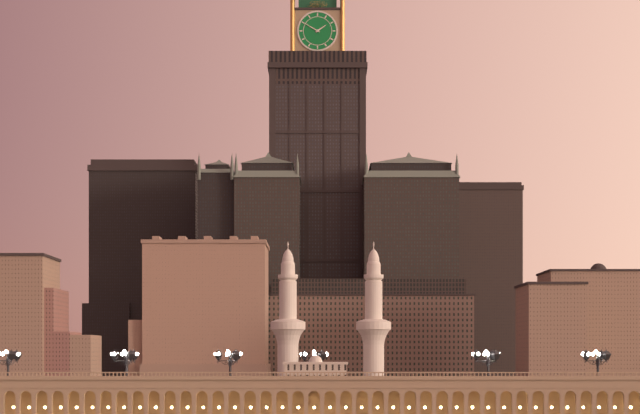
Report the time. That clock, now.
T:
1:50
